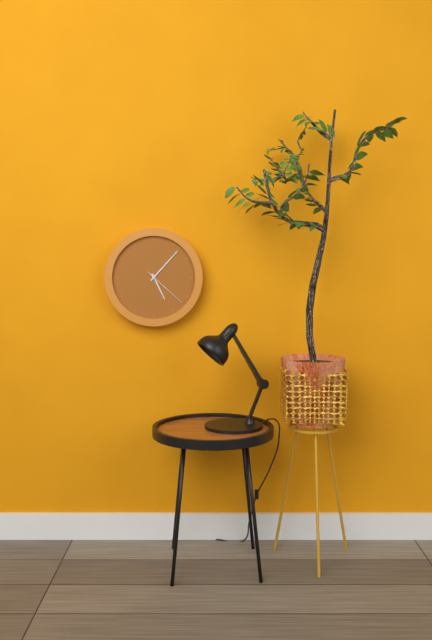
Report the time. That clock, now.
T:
5:07
